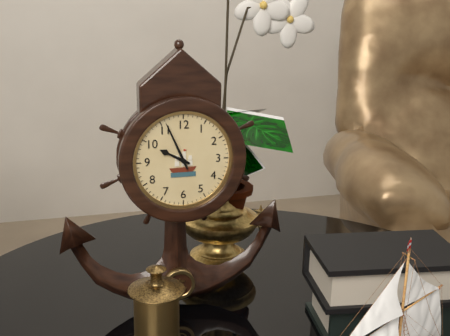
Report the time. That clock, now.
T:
9:56
